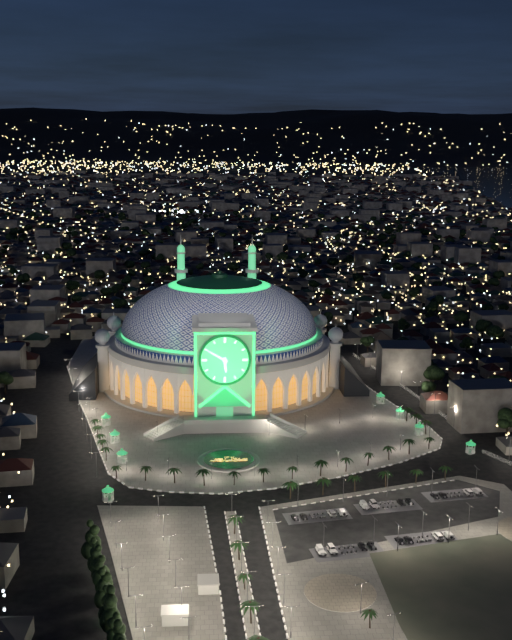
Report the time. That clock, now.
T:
5:50
